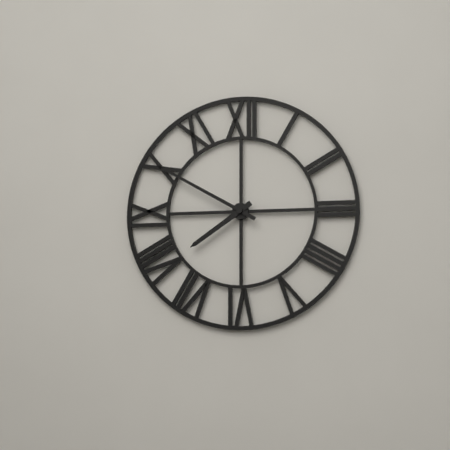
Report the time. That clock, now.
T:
7:50
